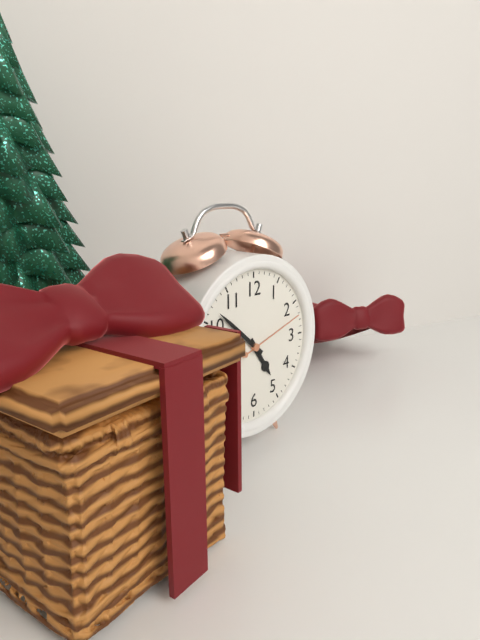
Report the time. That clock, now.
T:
4:52:12
